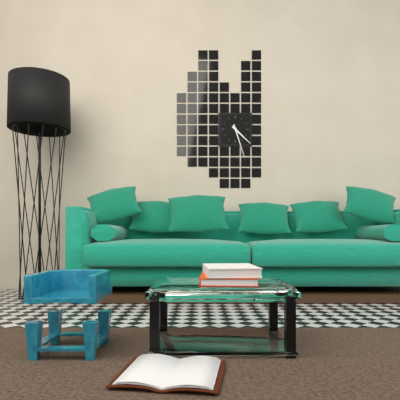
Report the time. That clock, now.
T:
4:27
